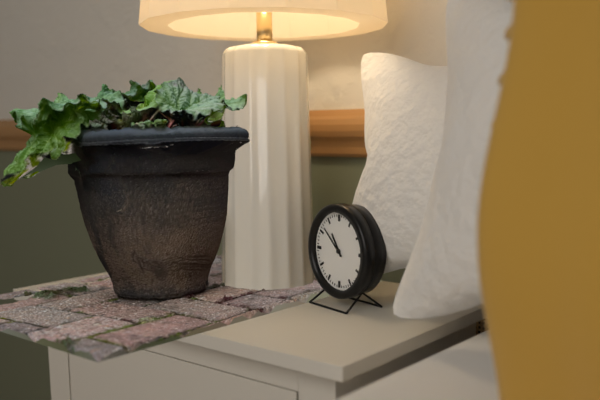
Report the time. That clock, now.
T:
10:52
